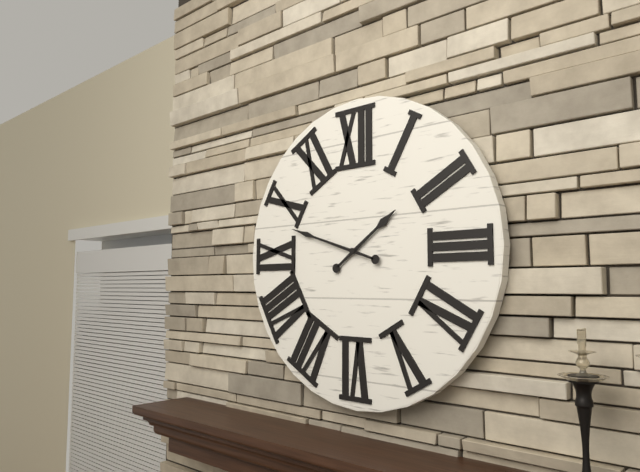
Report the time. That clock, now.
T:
1:48
